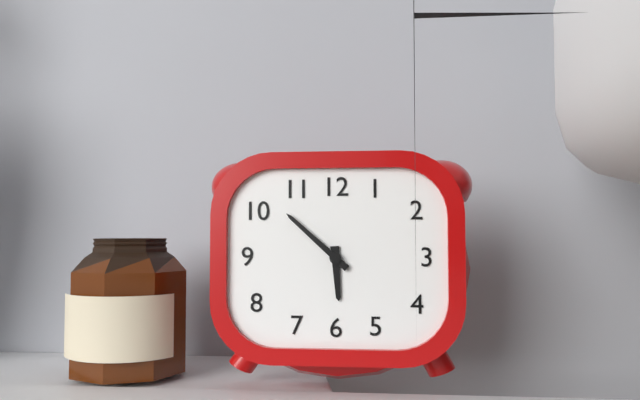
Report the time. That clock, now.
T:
5:52
